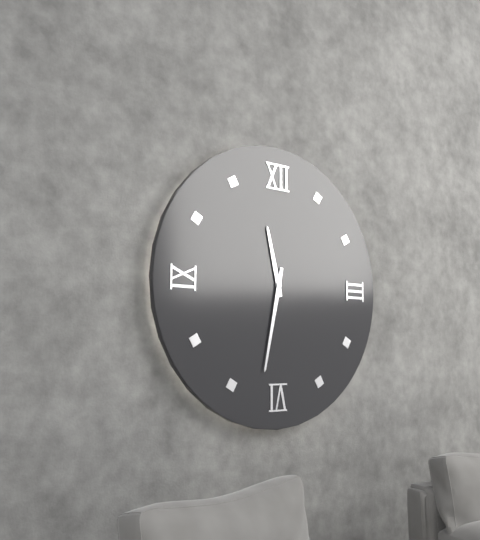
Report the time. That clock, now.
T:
11:32
